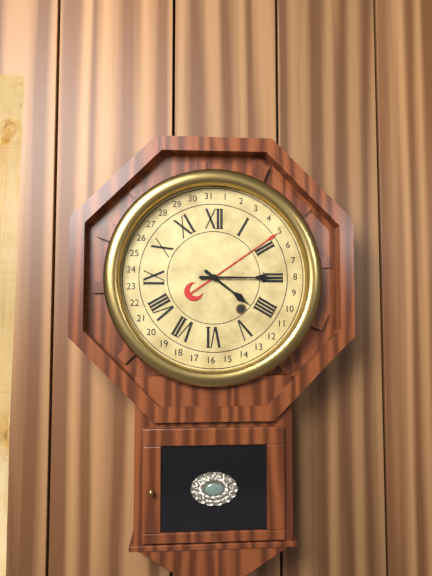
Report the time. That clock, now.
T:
4:15
